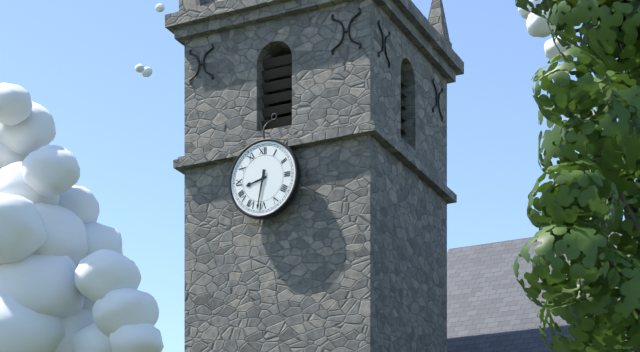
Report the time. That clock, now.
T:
8:32
